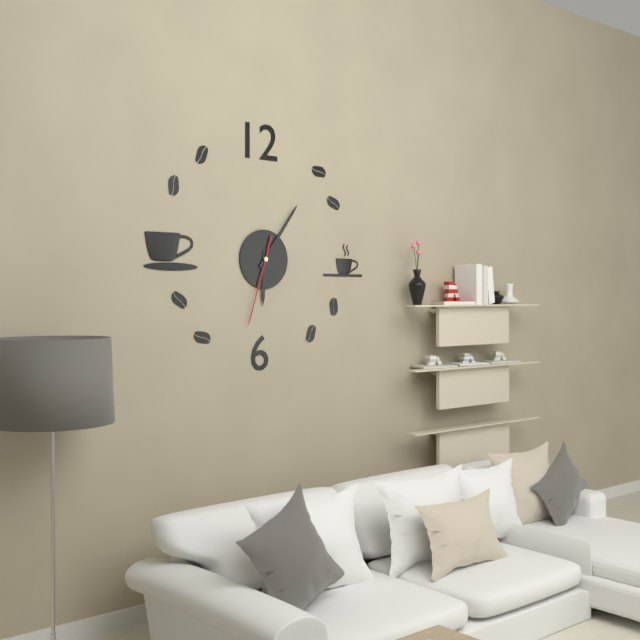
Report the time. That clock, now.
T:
6:06:33
